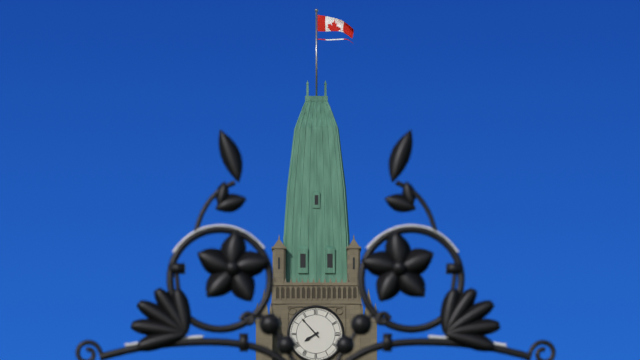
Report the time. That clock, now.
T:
7:53
